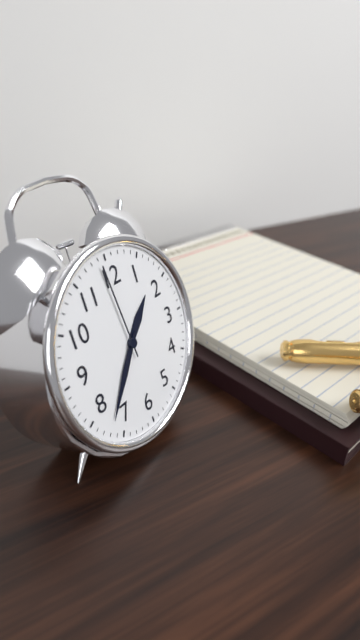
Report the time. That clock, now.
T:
1:37:59
